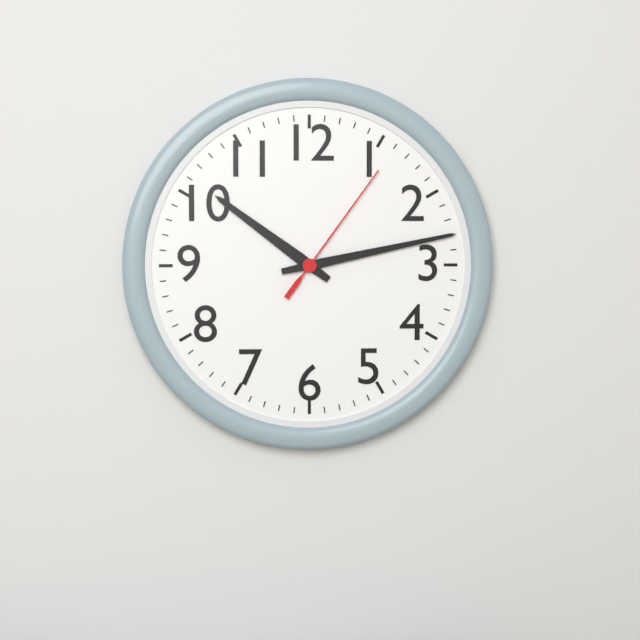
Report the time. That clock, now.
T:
10:13:06
